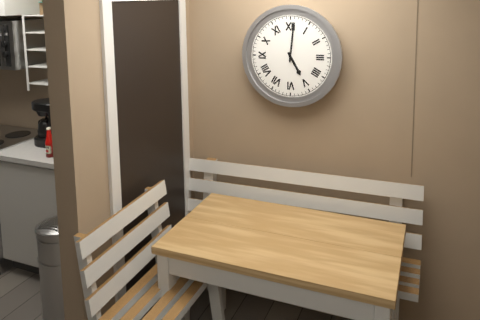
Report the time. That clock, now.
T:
5:01
